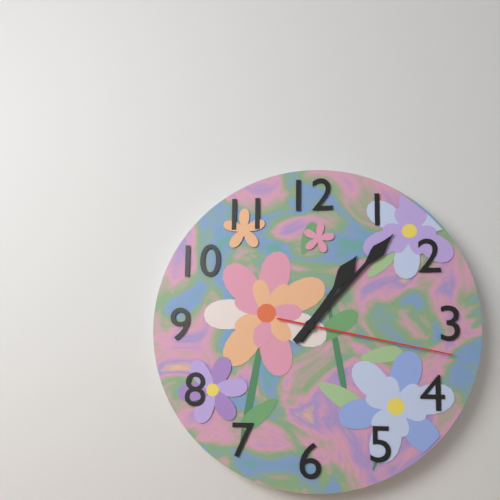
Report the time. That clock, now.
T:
1:07:17
